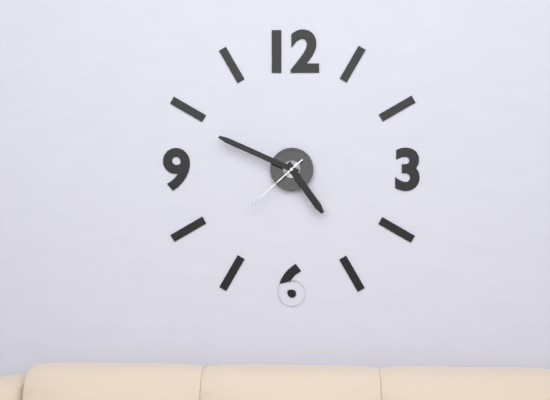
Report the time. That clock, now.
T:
4:49:38
